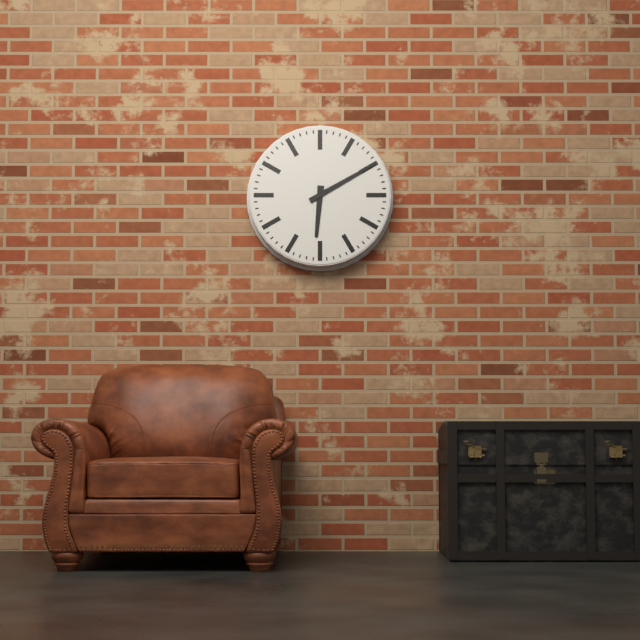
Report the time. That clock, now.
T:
6:10
